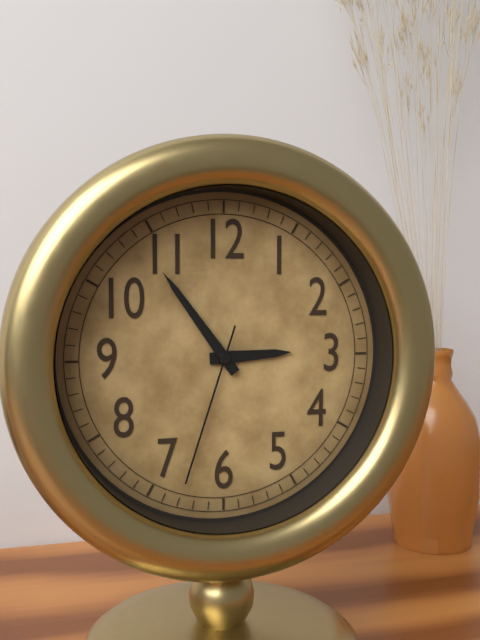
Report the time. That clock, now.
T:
2:54:33
